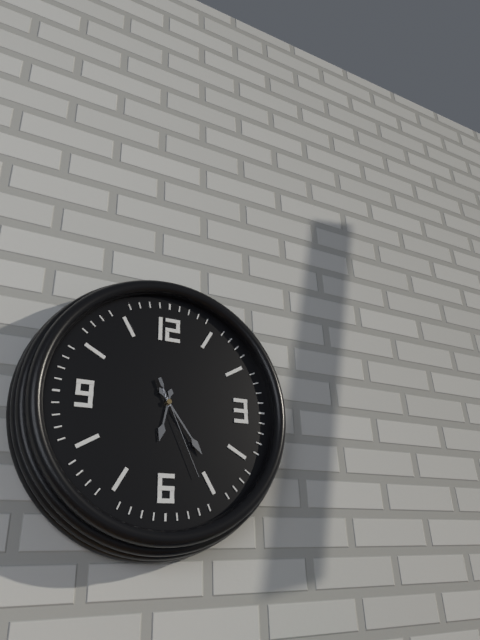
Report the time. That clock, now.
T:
6:24:26
